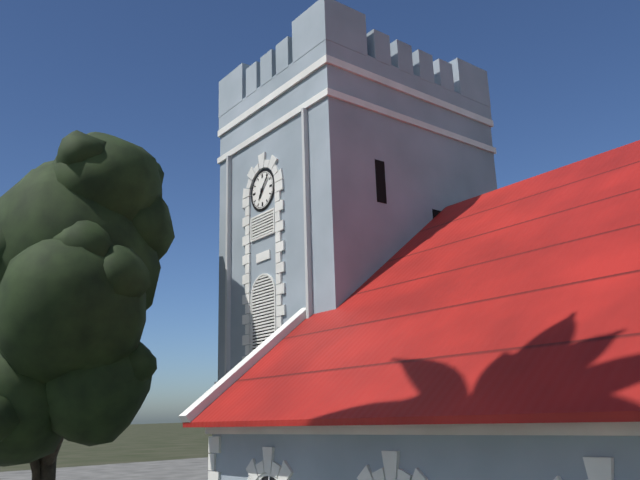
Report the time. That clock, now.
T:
7:07
